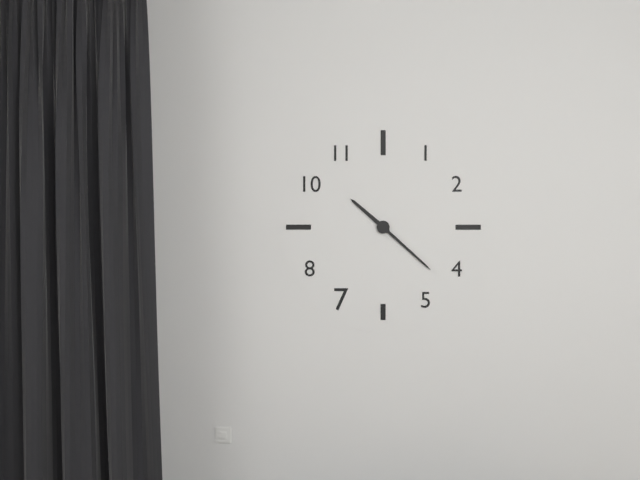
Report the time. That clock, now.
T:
10:22
